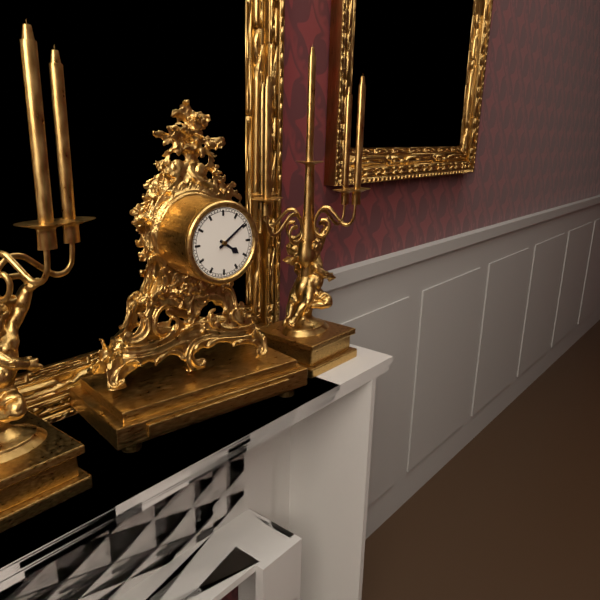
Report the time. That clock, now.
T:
4:09
